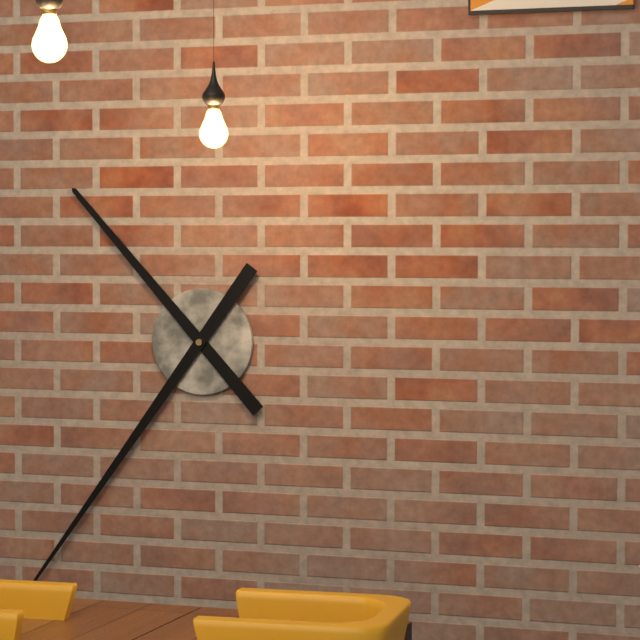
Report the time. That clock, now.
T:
10:36
